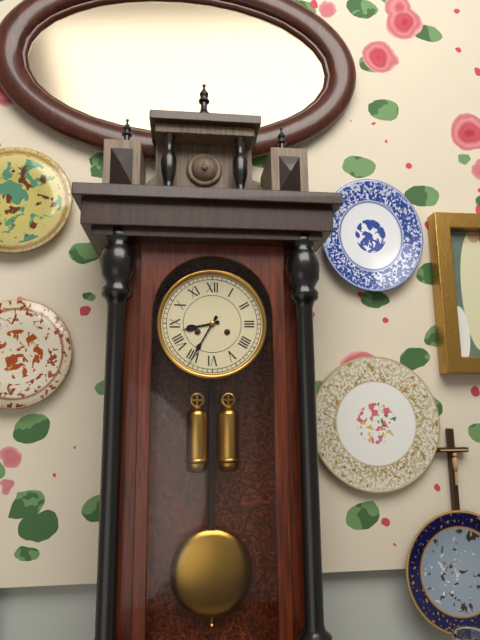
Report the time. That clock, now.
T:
8:35
